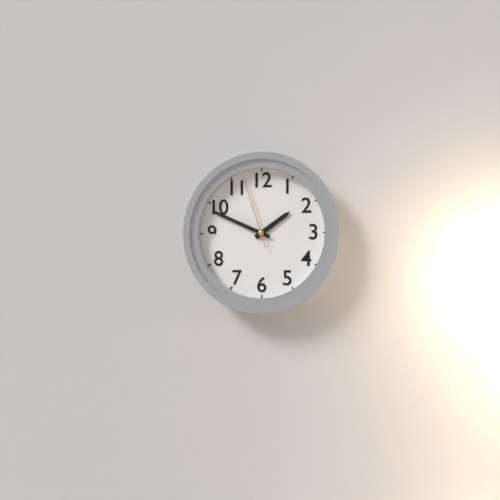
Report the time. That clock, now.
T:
1:49:57
